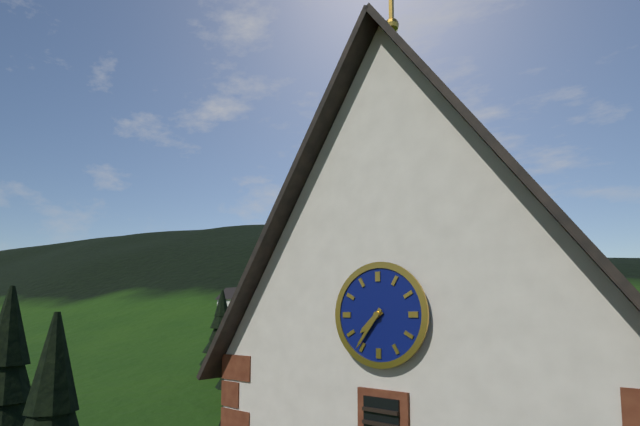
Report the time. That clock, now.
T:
7:36
